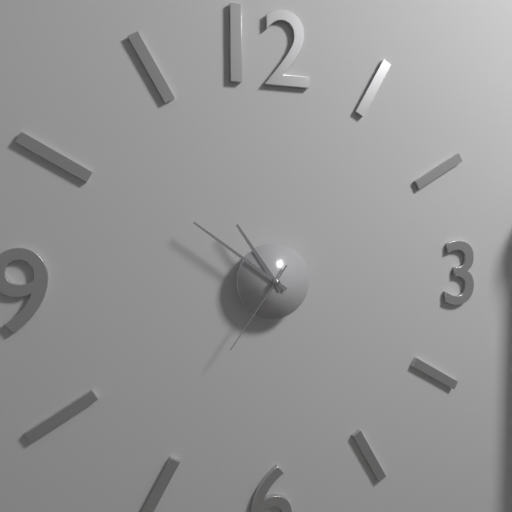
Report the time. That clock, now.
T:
10:51:36
